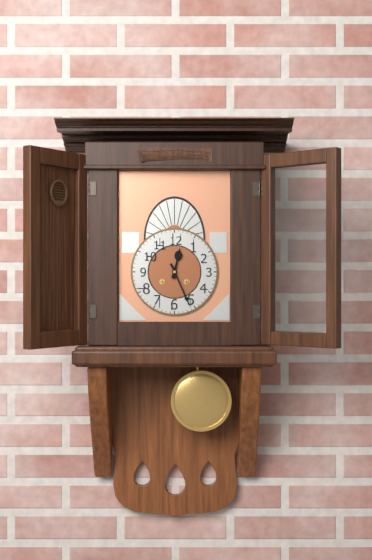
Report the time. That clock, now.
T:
12:26
